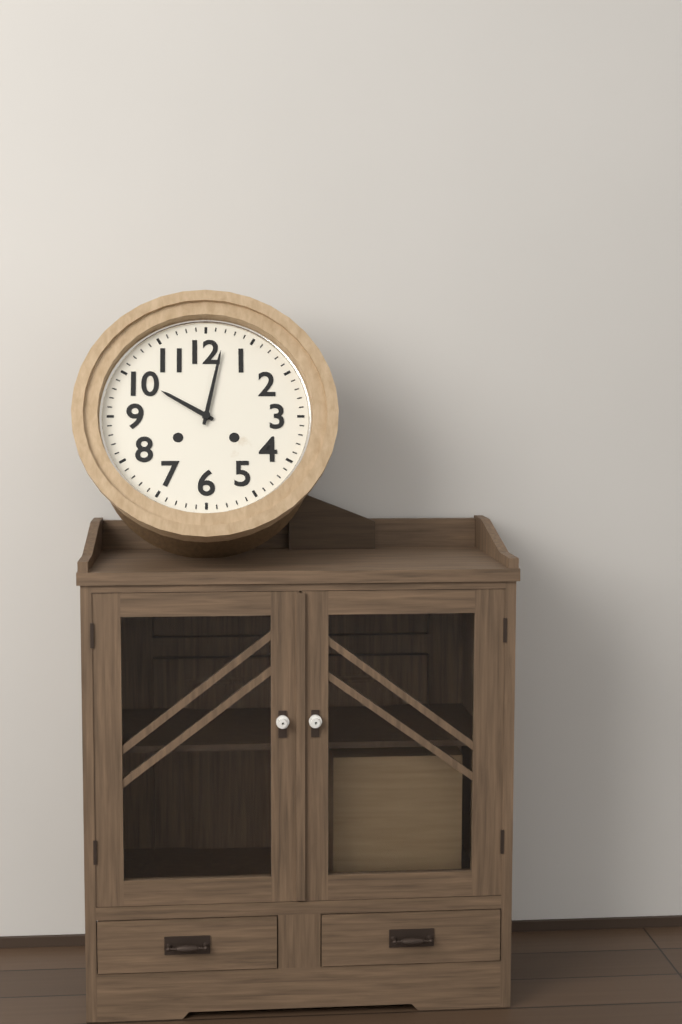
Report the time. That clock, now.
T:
10:02
